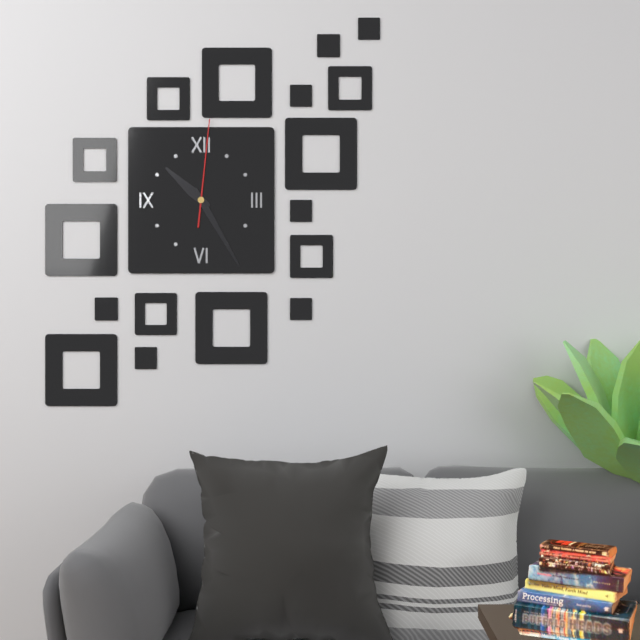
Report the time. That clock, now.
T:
10:25:01
